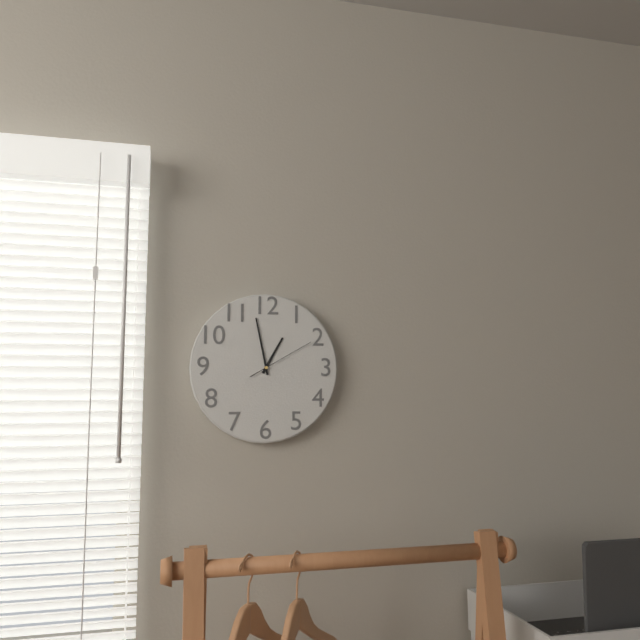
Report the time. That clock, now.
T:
12:58:10
